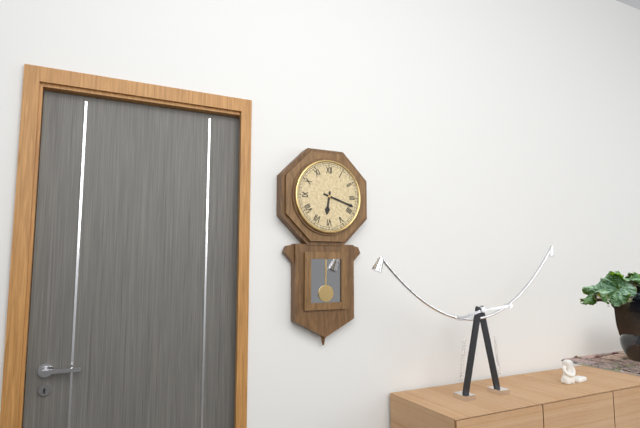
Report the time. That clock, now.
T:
6:18
